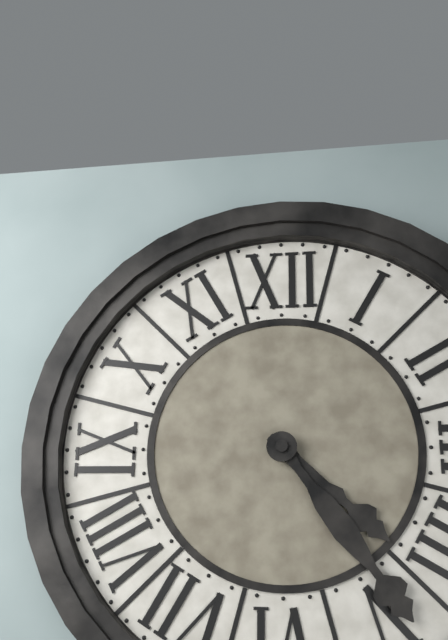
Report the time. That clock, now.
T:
4:24
